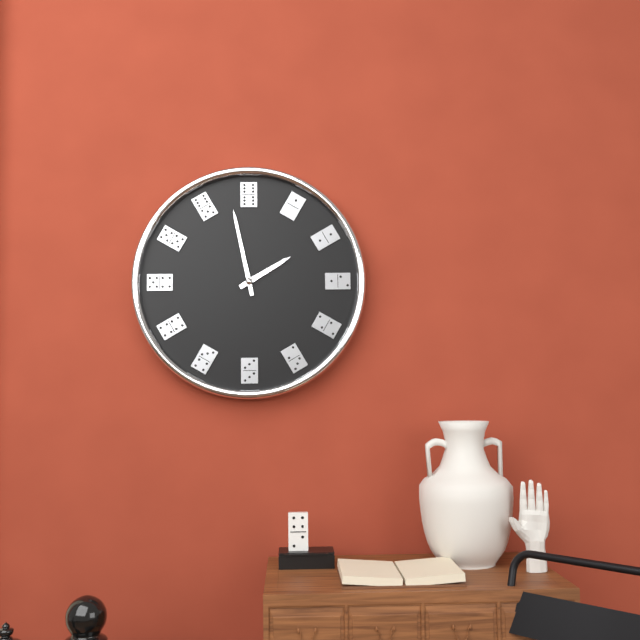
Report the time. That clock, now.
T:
1:58
